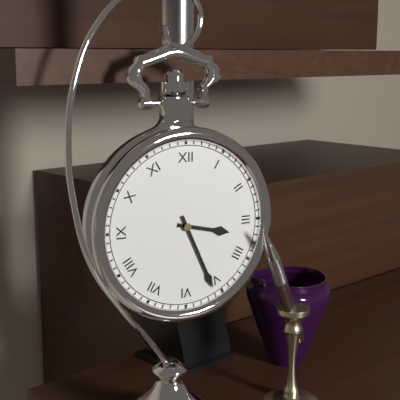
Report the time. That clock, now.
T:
3:26
